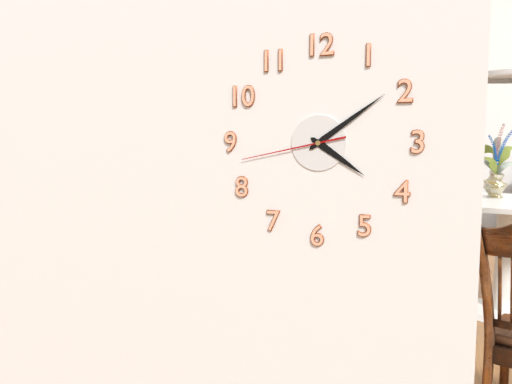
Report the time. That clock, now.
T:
4:09:43
